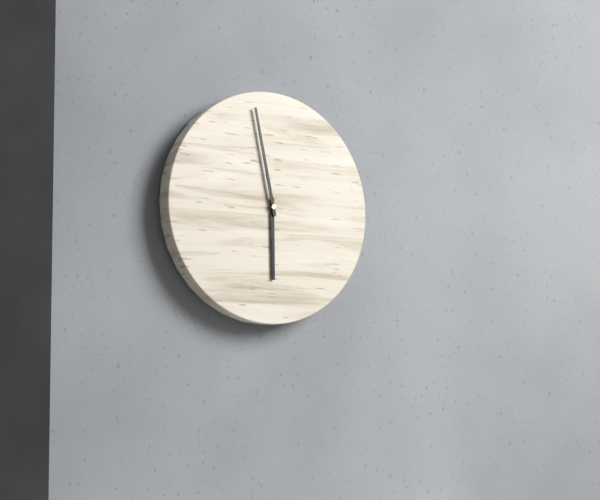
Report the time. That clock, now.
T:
5:58
